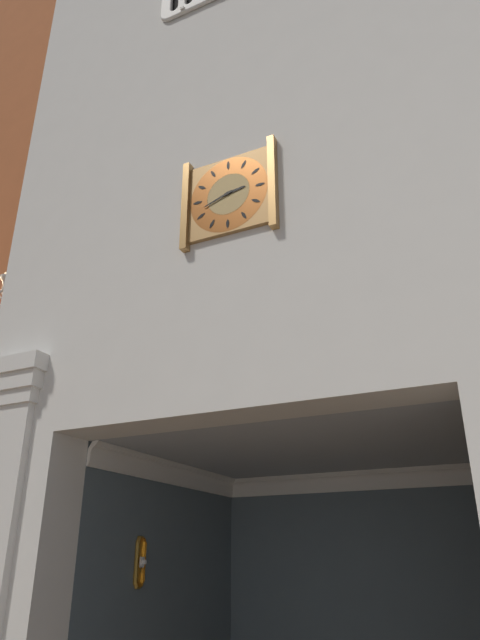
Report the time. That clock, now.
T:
2:42
